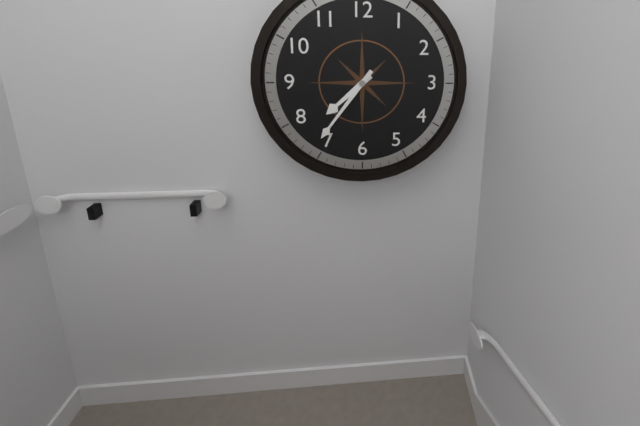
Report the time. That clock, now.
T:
7:36
